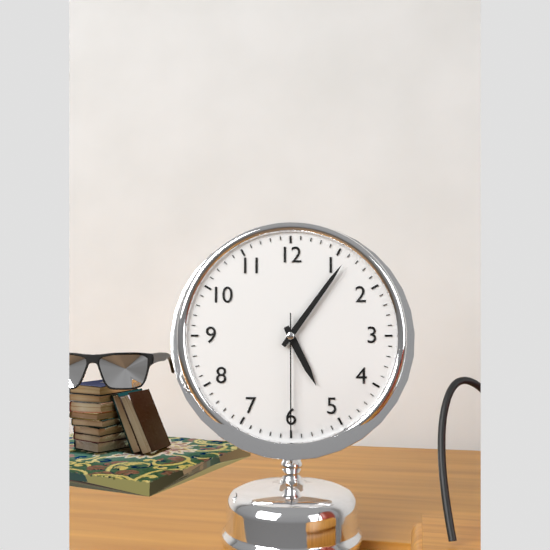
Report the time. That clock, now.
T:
5:06:30
